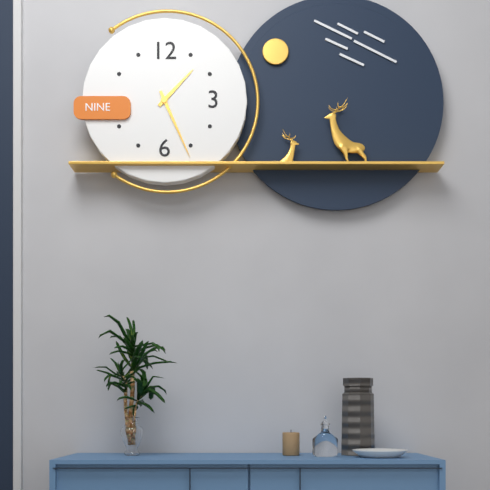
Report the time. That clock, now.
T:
1:26
